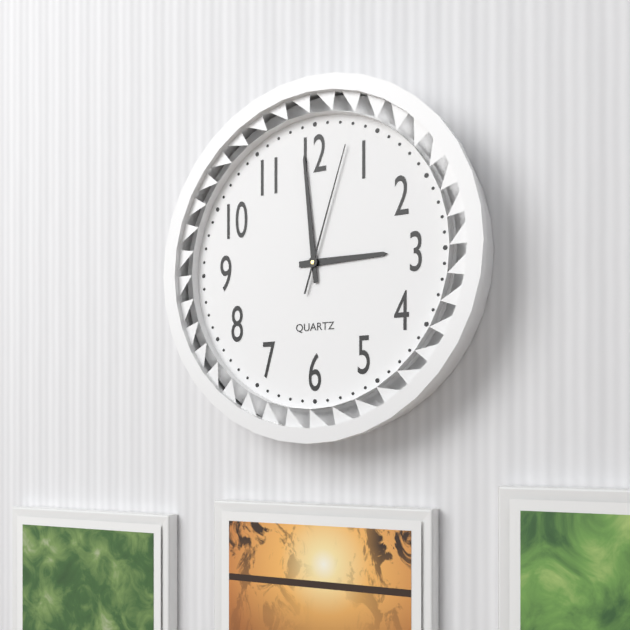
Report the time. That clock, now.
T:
2:59:03
